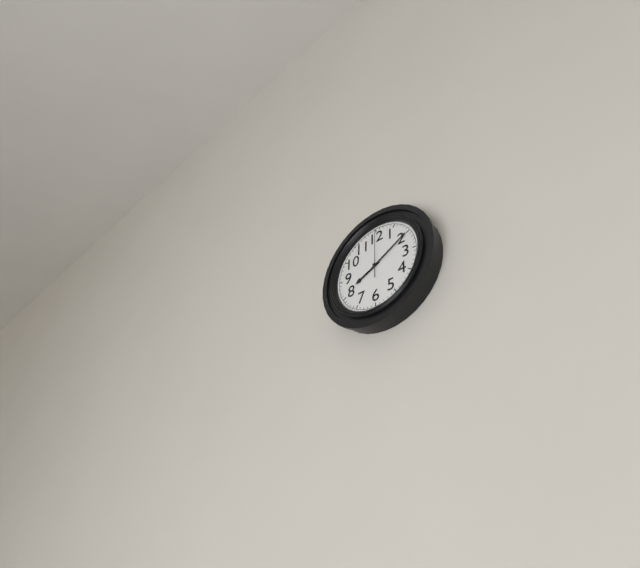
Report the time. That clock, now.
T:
8:10
